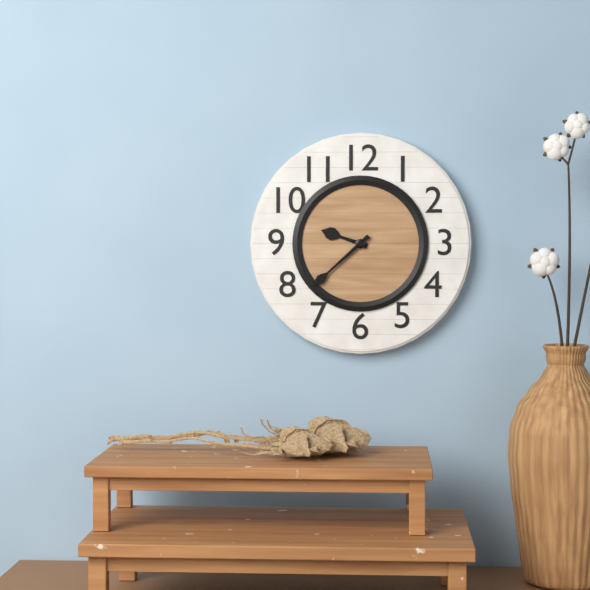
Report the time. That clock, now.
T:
9:38
